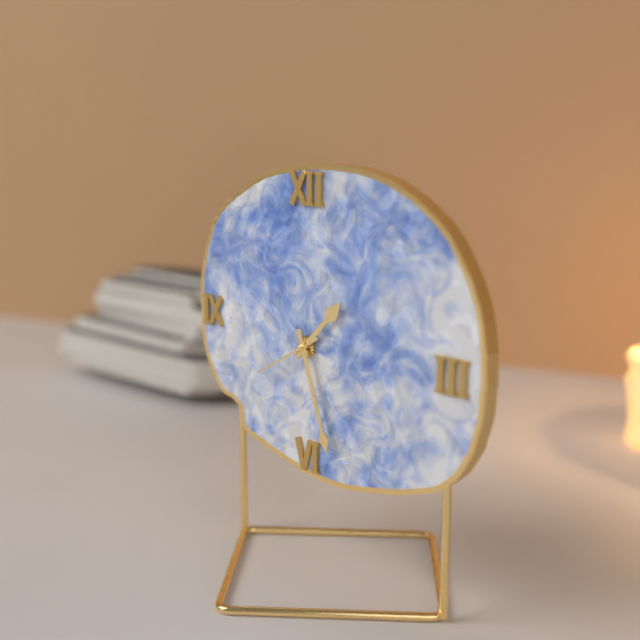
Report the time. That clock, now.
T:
1:27:40
